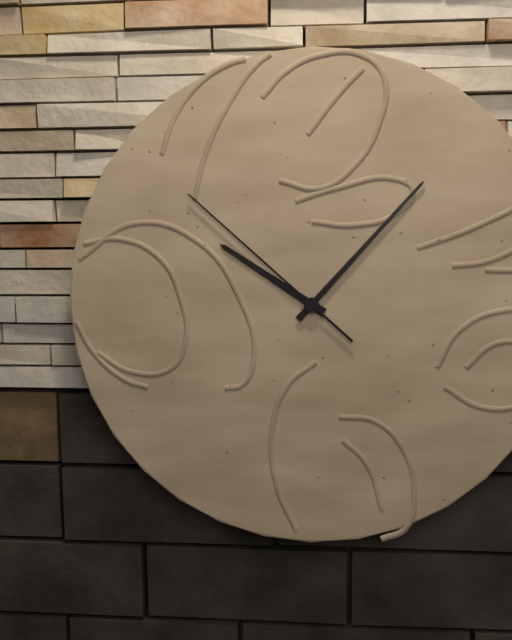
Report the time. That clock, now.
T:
10:07:52
